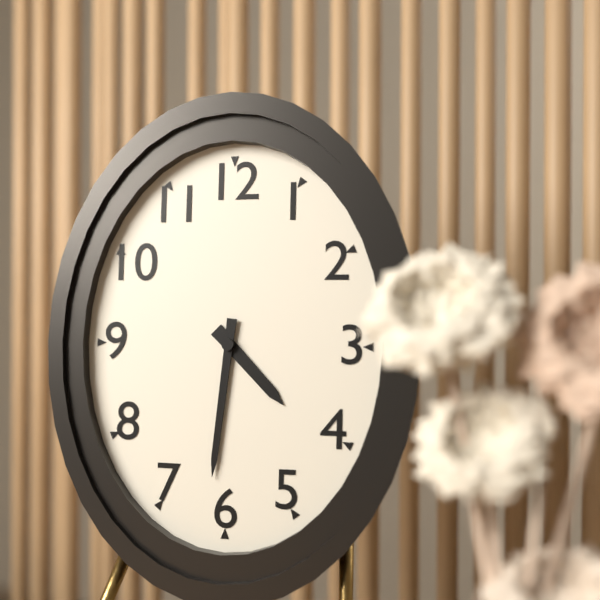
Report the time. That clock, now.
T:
4:31
